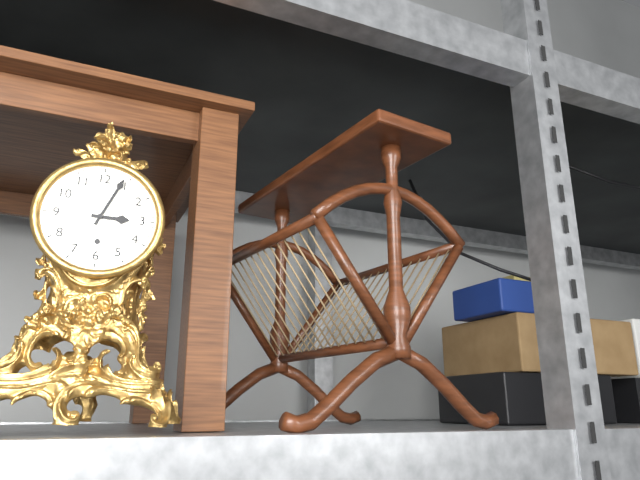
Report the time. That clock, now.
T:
3:04
